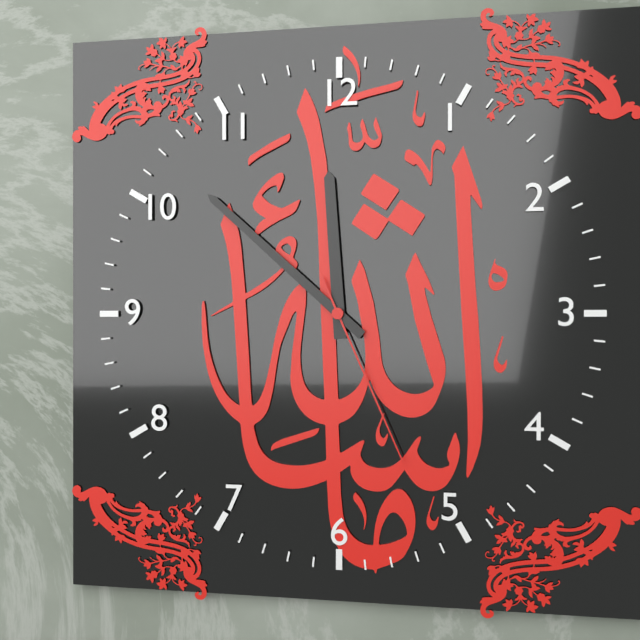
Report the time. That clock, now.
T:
11:52:26
